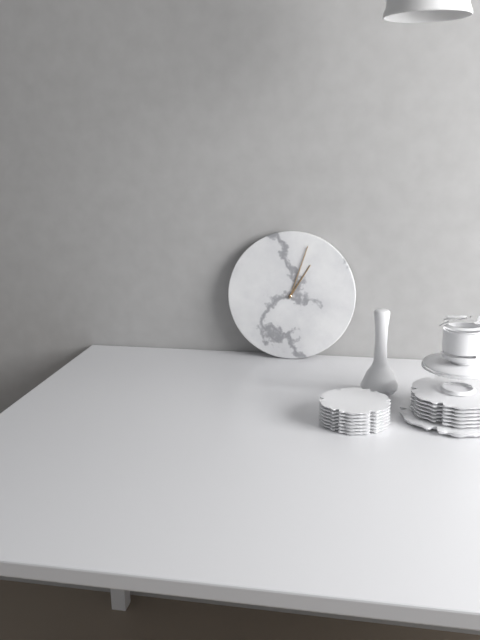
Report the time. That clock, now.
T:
1:03
